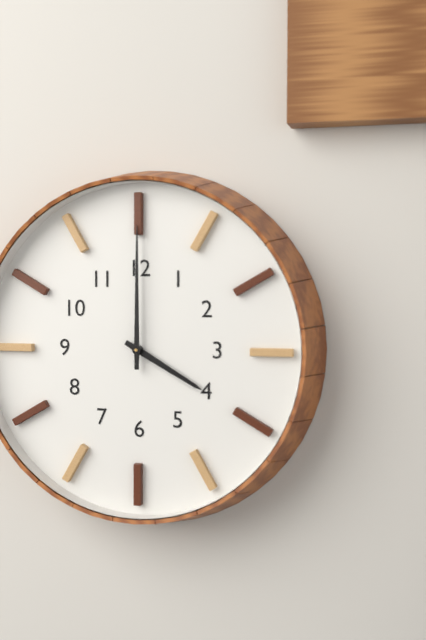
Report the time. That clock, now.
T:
4:00
